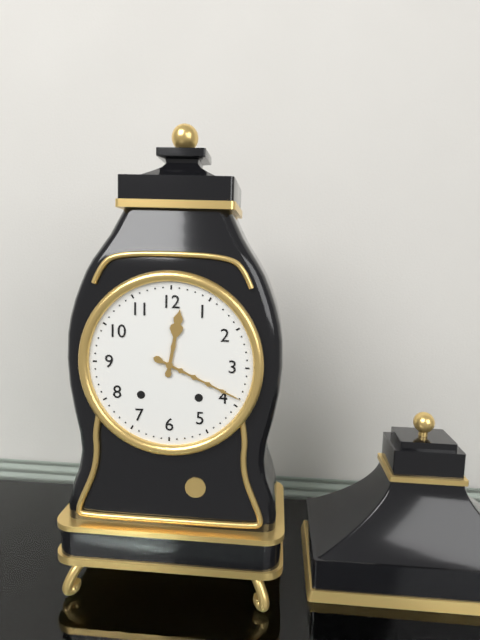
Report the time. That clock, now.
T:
12:19
